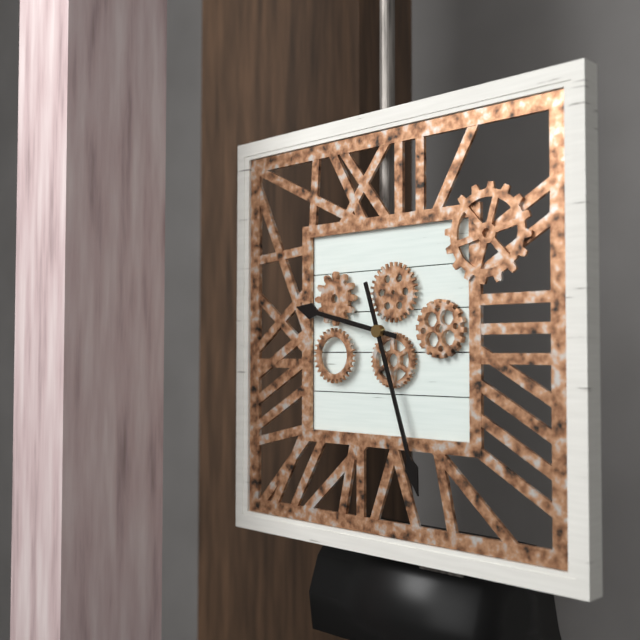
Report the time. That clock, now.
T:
9:27
